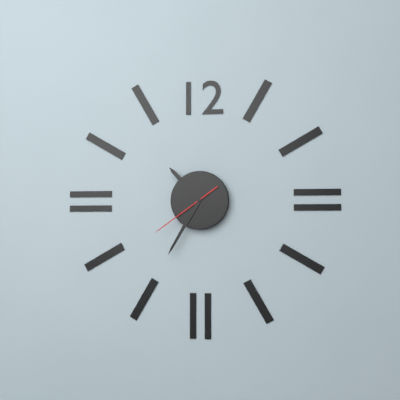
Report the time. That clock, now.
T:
10:35:39
